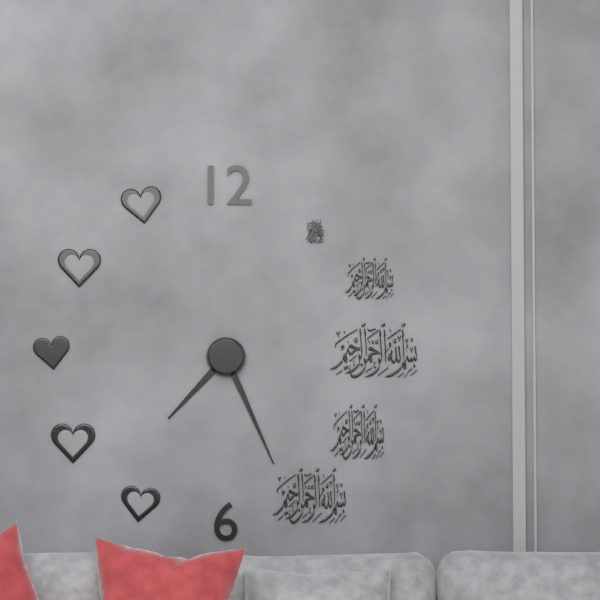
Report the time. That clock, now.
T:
7:26
